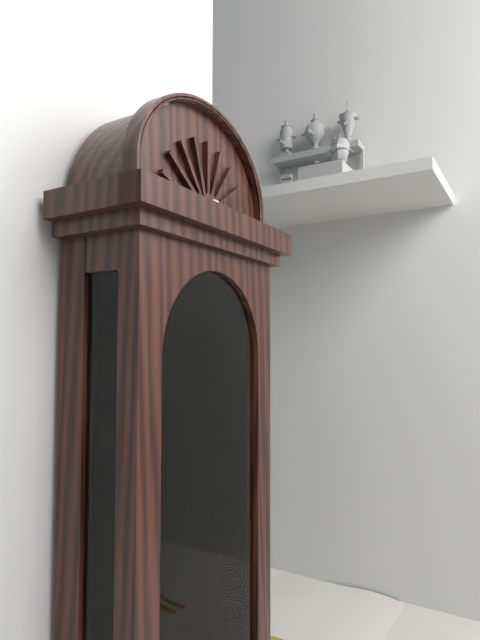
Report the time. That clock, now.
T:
3:57
